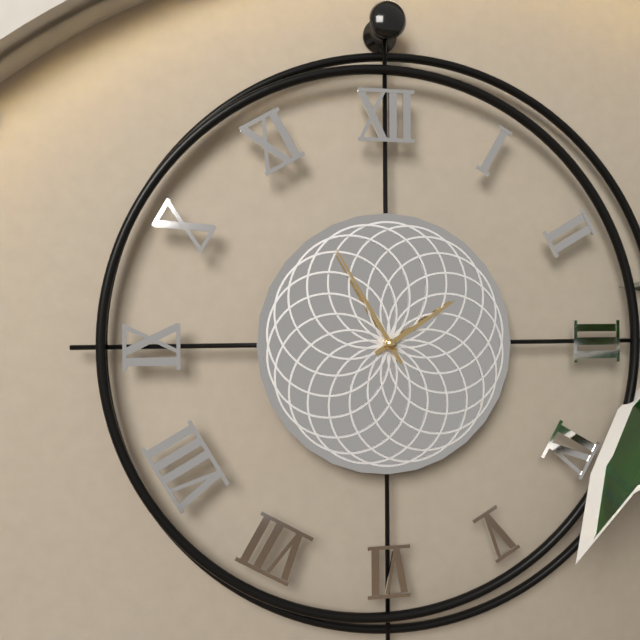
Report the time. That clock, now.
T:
1:55
